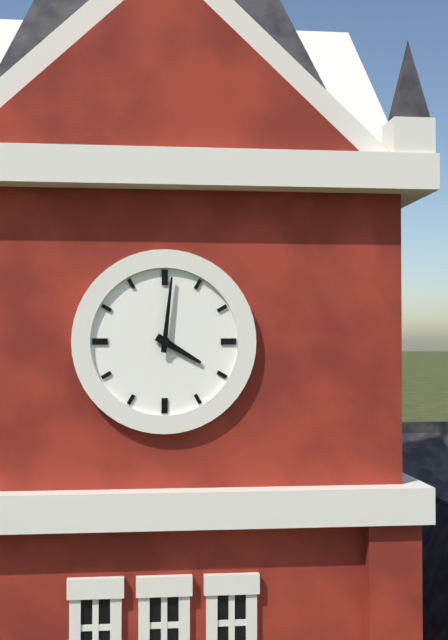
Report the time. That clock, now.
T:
4:01
